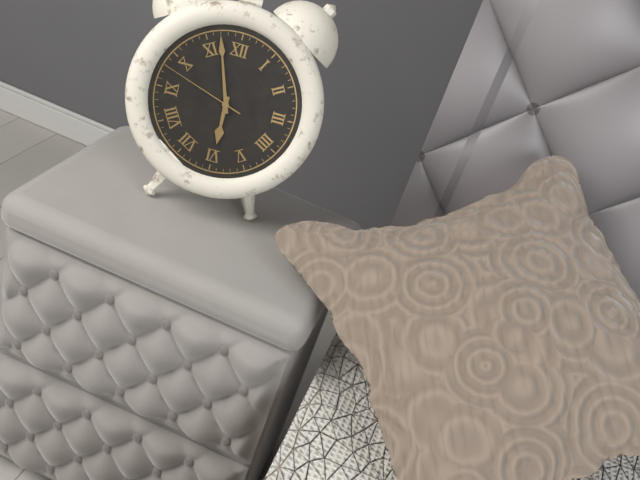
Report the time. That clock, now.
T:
5:57:48
